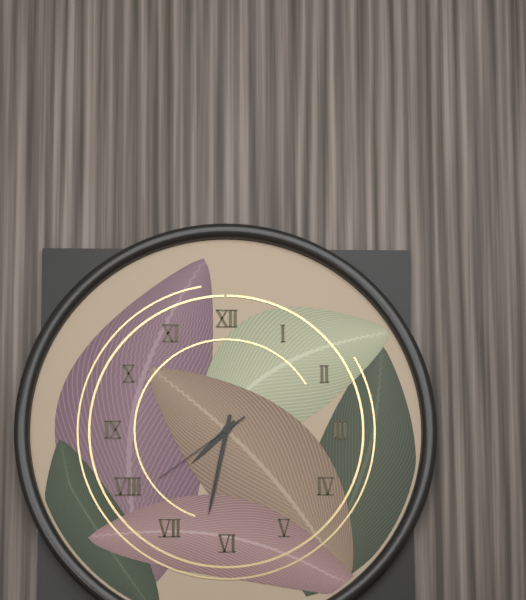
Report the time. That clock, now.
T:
7:32:39
